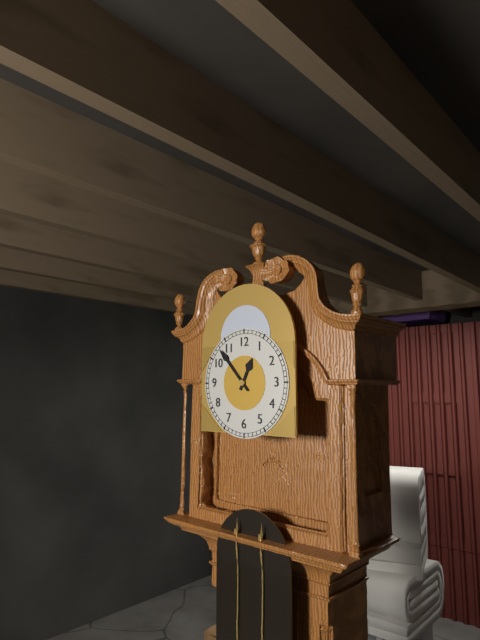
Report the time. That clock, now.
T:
12:53
